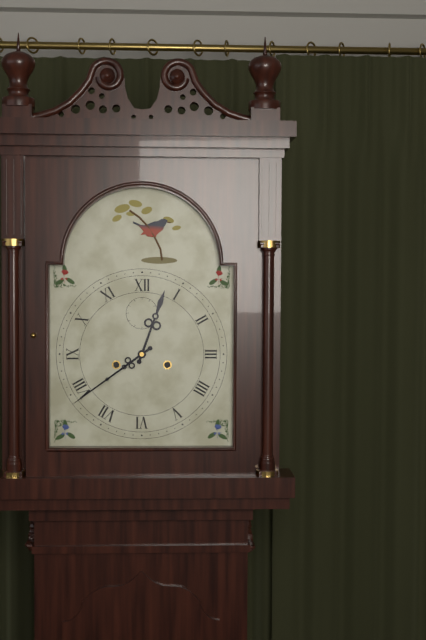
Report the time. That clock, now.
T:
12:39
